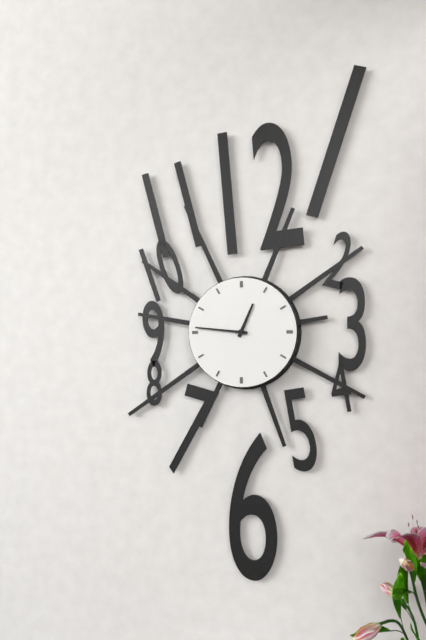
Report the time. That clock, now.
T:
12:46
